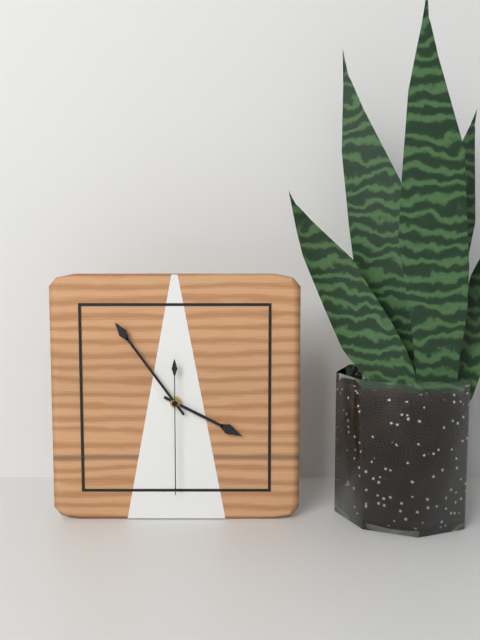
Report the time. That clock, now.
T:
3:54:30
